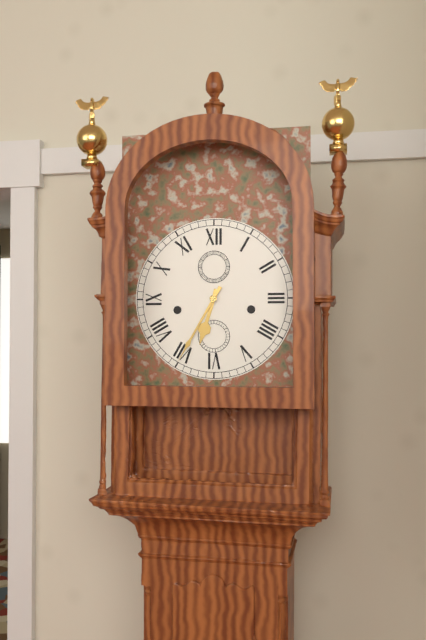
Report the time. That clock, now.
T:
6:35
